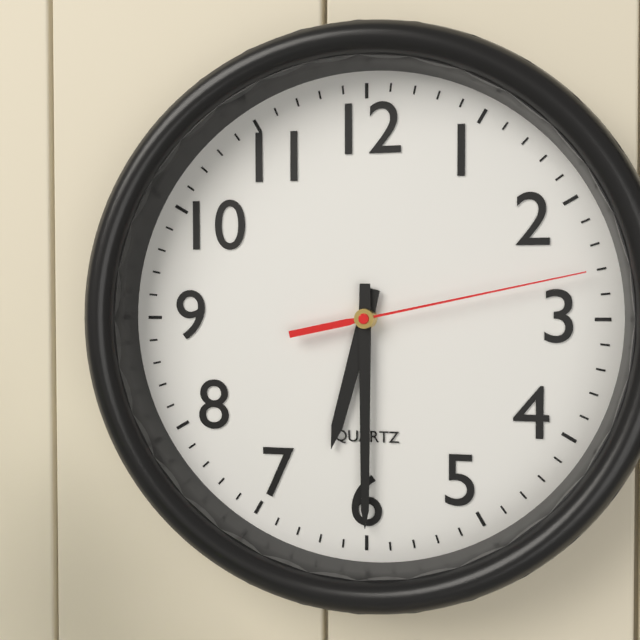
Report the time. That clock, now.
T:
6:30:13
